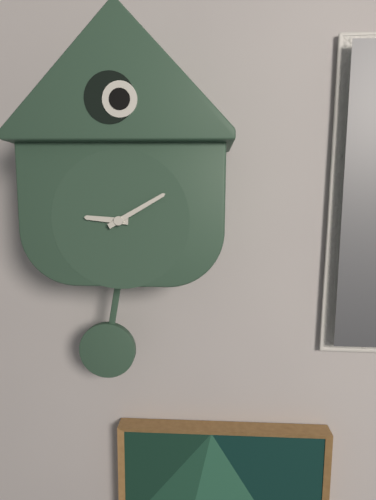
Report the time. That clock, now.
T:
9:10
